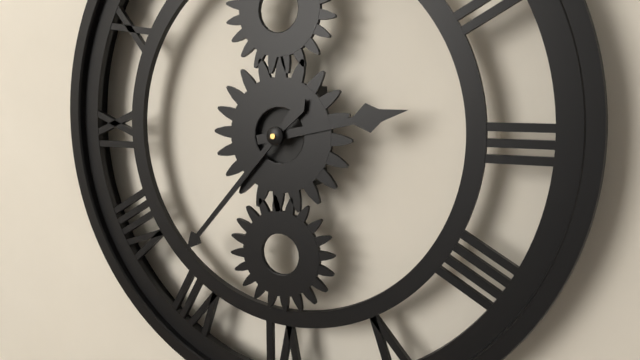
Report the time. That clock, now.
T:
2:37
